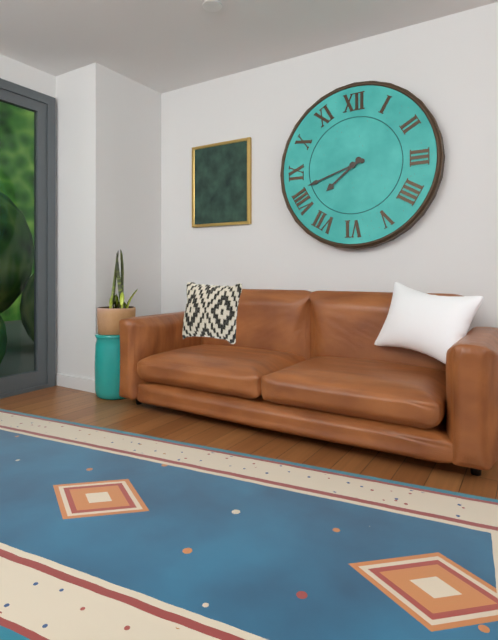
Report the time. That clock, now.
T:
7:42
